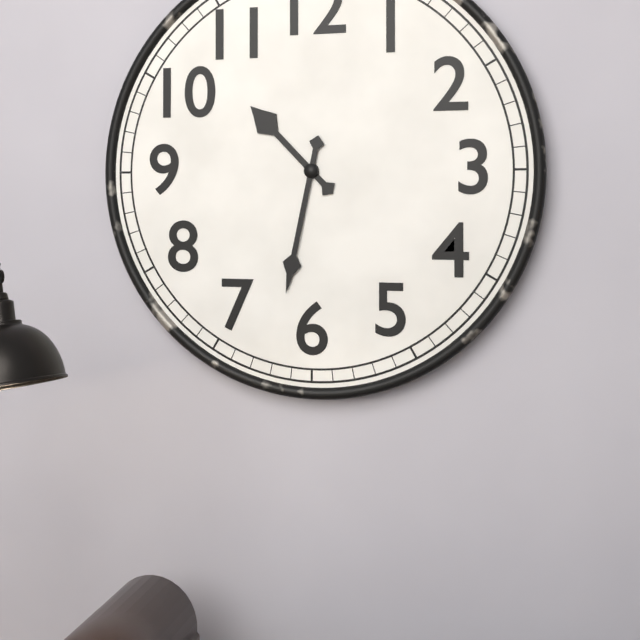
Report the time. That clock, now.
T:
10:32
